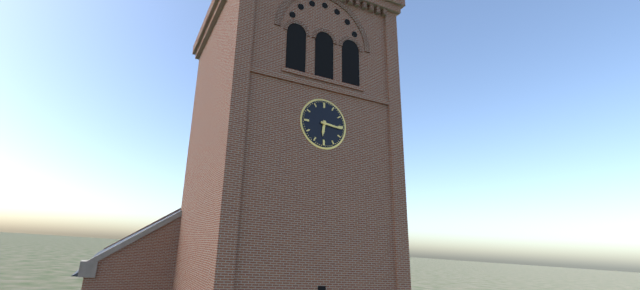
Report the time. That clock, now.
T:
6:16
